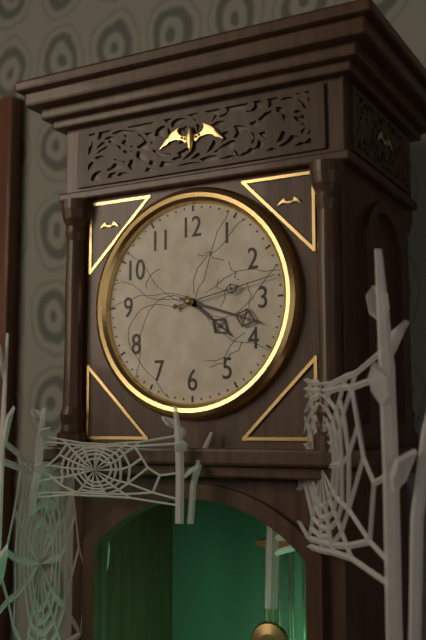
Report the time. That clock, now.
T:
4:18:13
